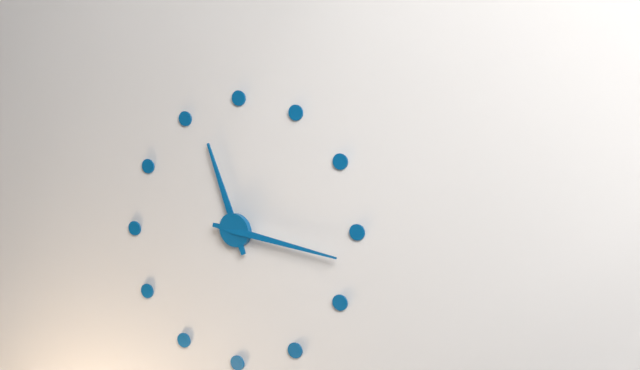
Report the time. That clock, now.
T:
11:17
